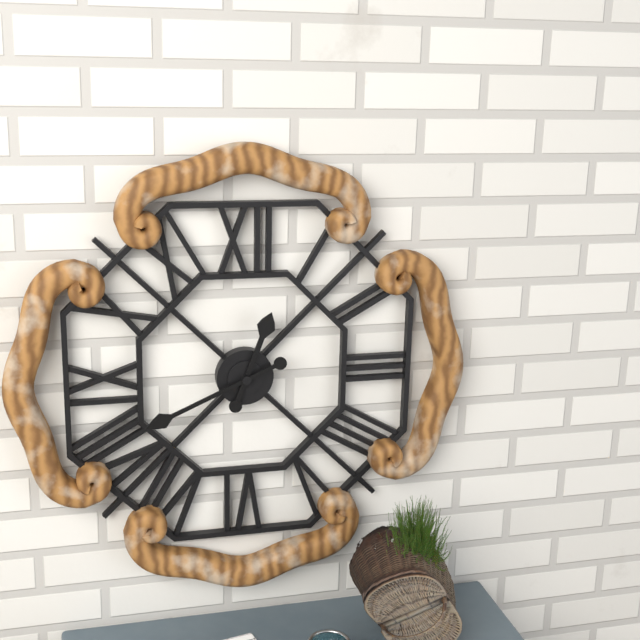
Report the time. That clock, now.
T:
12:41
